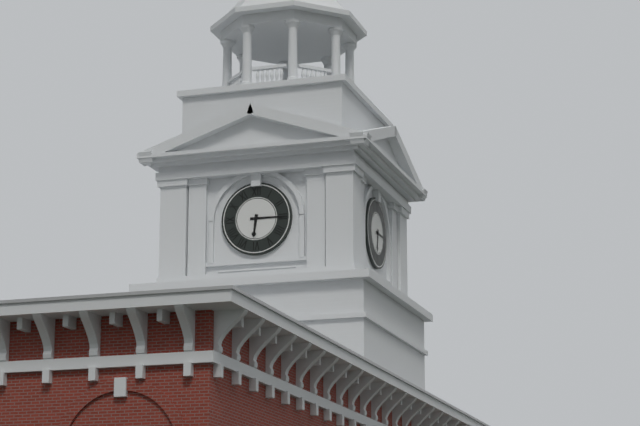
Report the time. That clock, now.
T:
6:15
